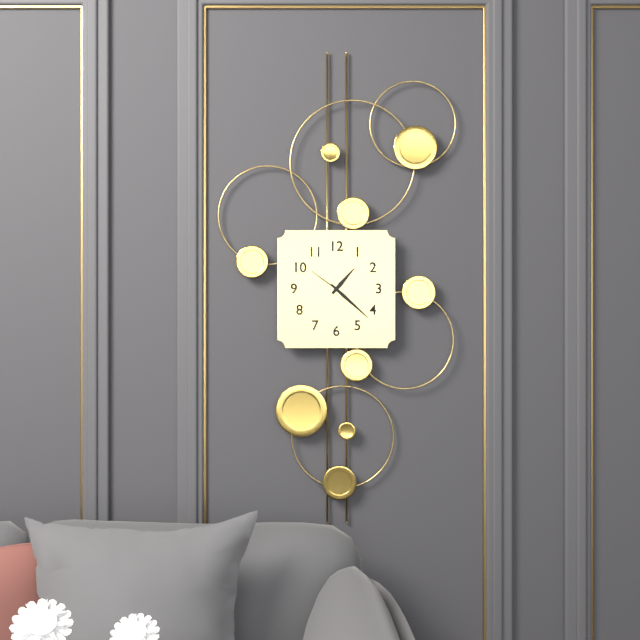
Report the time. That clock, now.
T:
1:22
